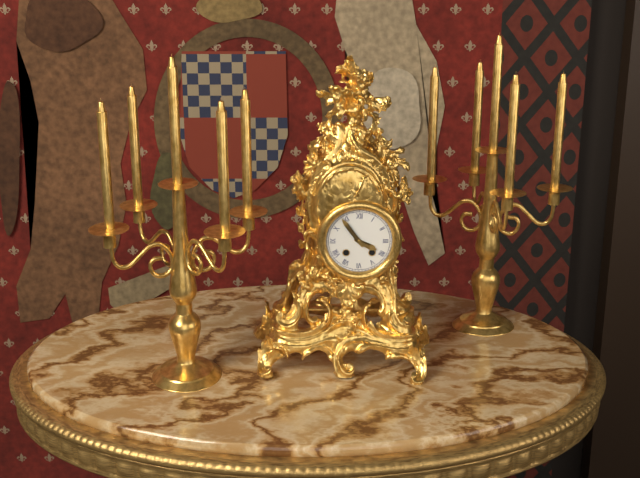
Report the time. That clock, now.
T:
3:54
